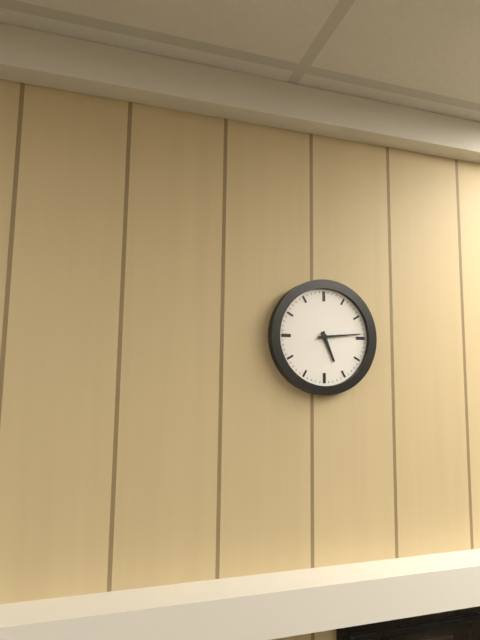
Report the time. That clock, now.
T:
5:14
